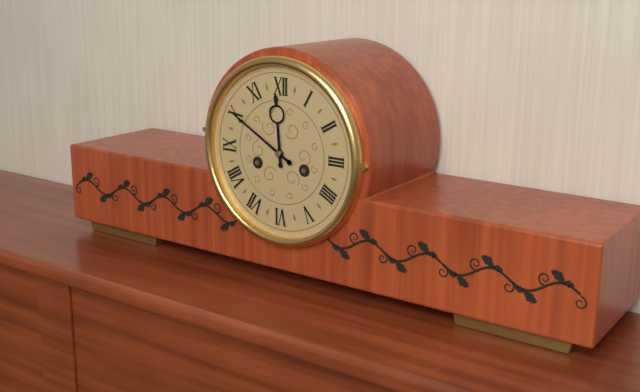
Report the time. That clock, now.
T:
11:50
